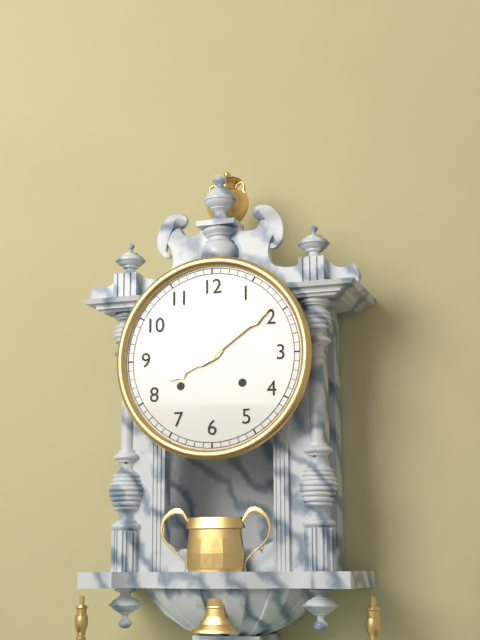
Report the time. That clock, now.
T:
8:09
